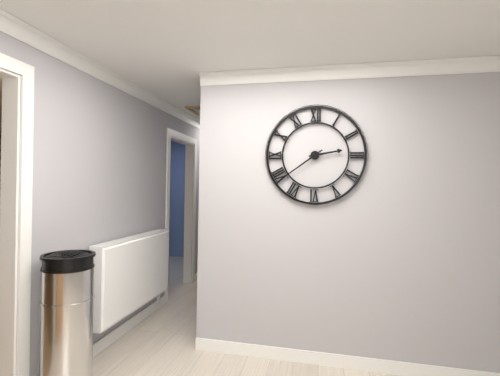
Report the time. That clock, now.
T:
2:39
